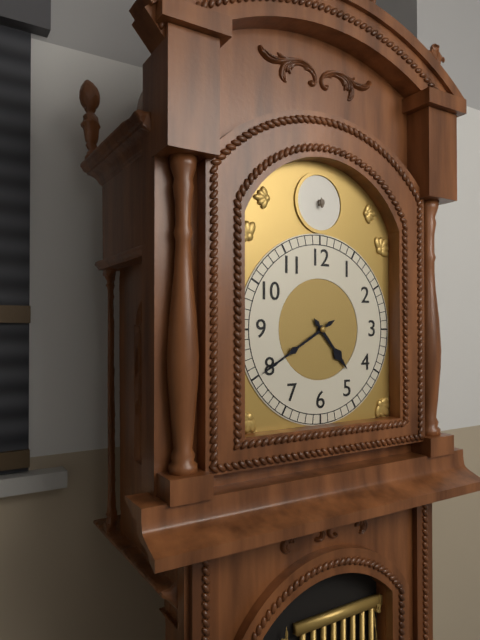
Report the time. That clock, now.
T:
4:40
